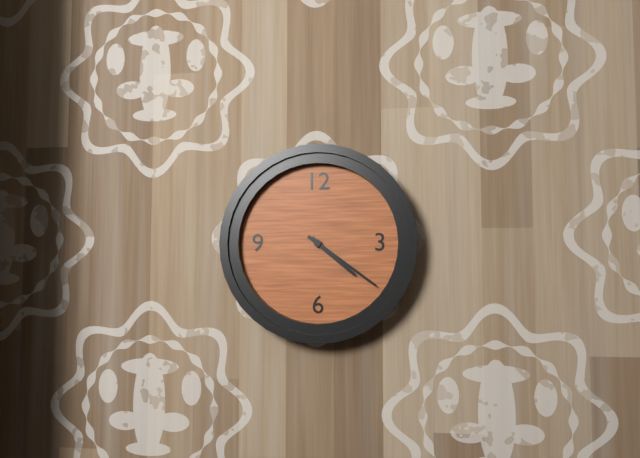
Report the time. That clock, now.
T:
4:21
